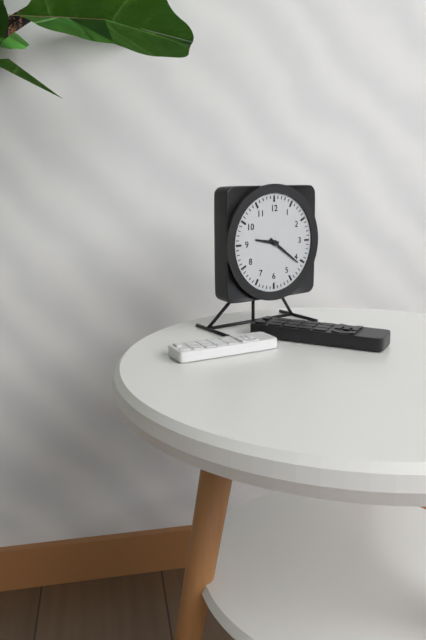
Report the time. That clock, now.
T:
9:21
